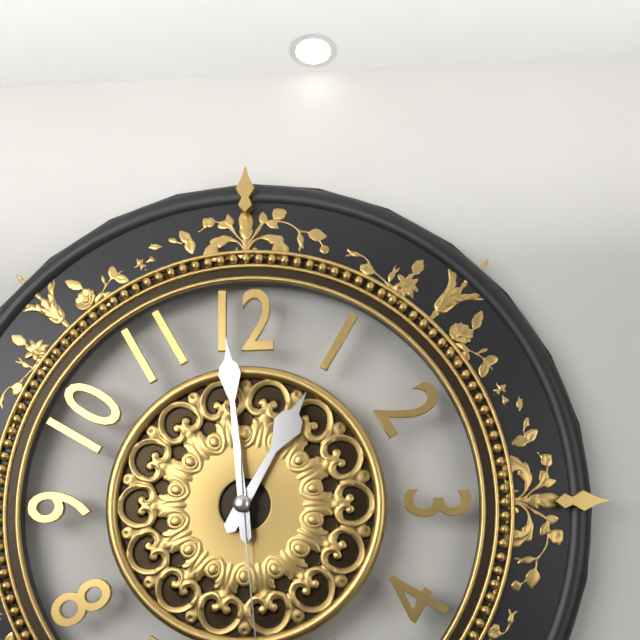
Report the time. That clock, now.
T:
12:59
